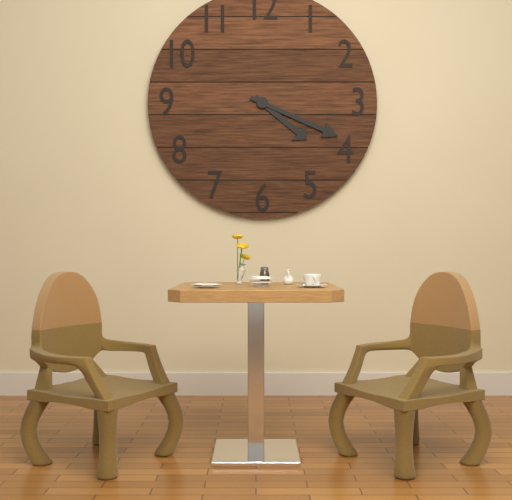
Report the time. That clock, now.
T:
4:19
